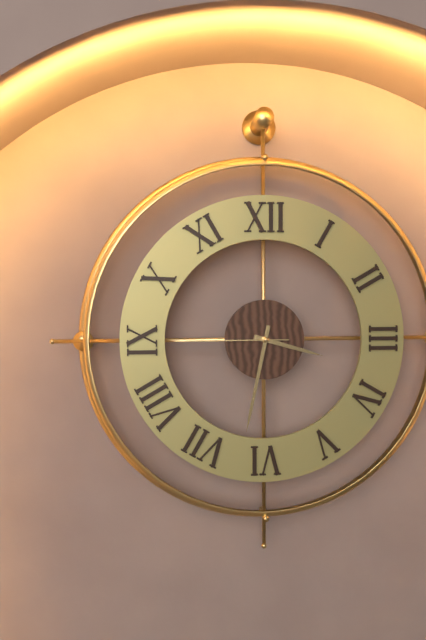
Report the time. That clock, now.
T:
3:32:45
